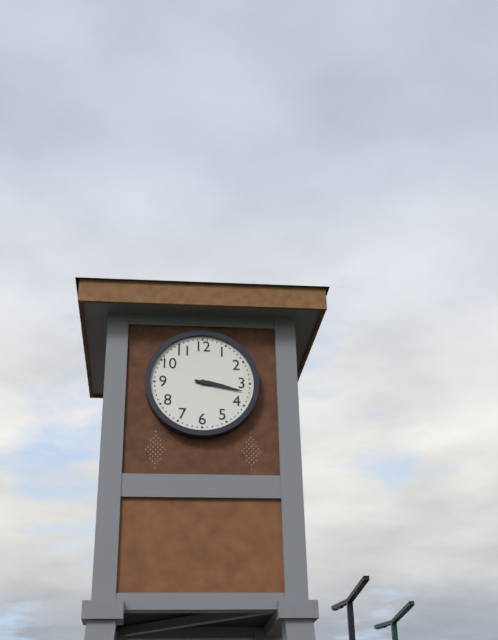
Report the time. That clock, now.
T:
3:17
